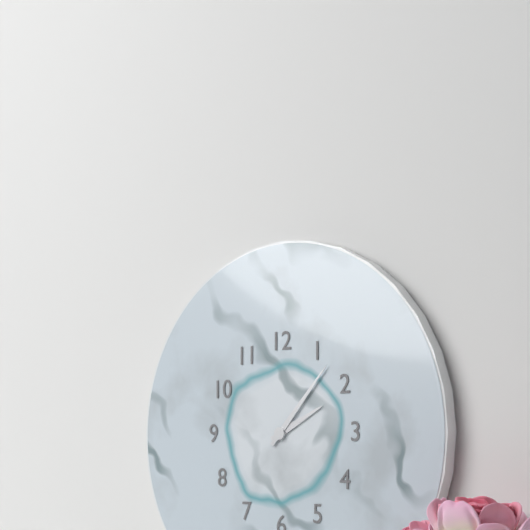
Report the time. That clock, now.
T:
2:07
